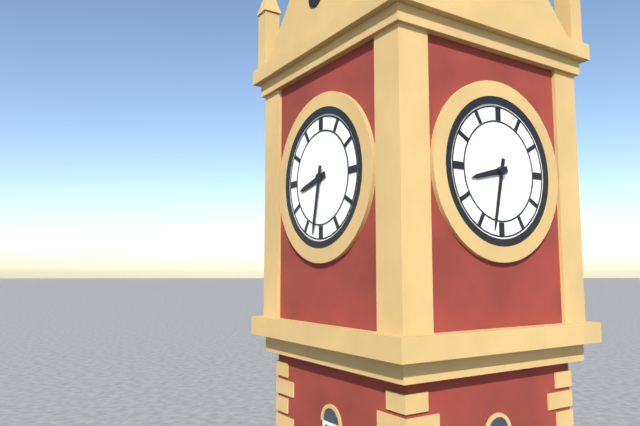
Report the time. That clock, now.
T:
8:32
